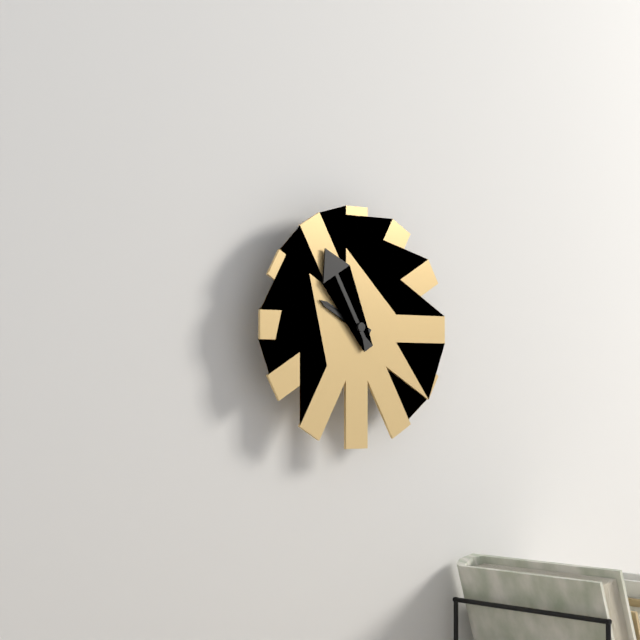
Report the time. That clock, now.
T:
9:55
